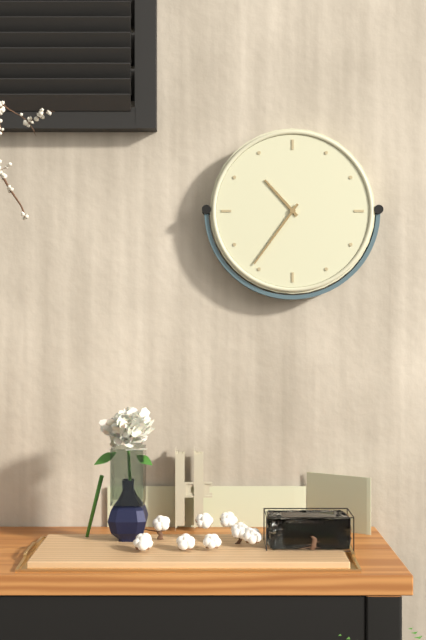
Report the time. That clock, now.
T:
10:36
